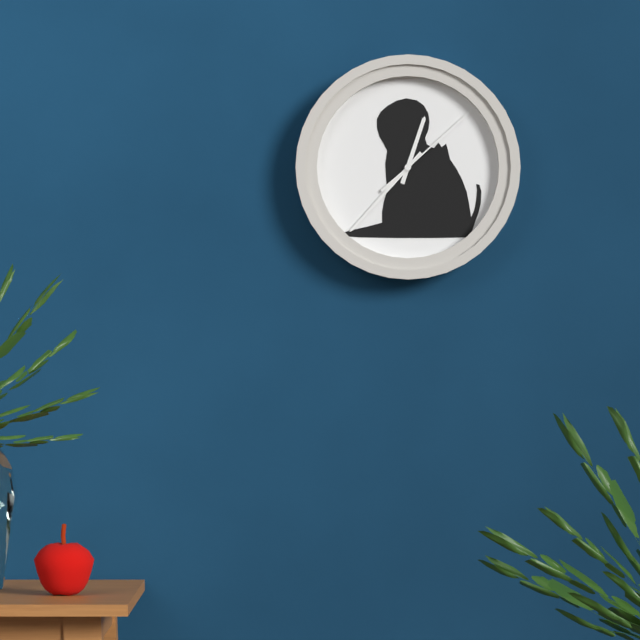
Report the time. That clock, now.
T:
12:37:08
